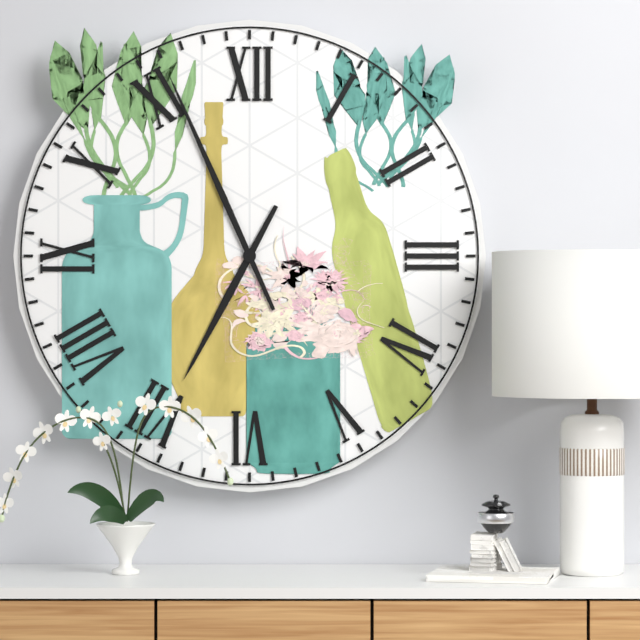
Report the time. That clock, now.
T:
6:56
